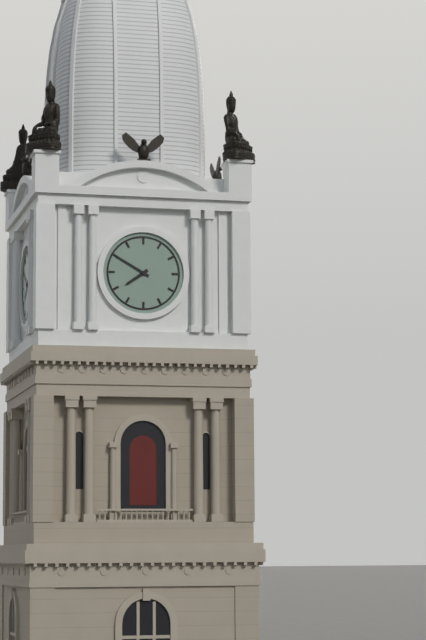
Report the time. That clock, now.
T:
7:50
